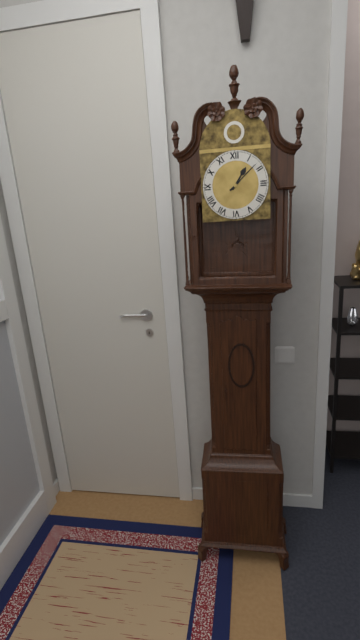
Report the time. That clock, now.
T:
1:08
